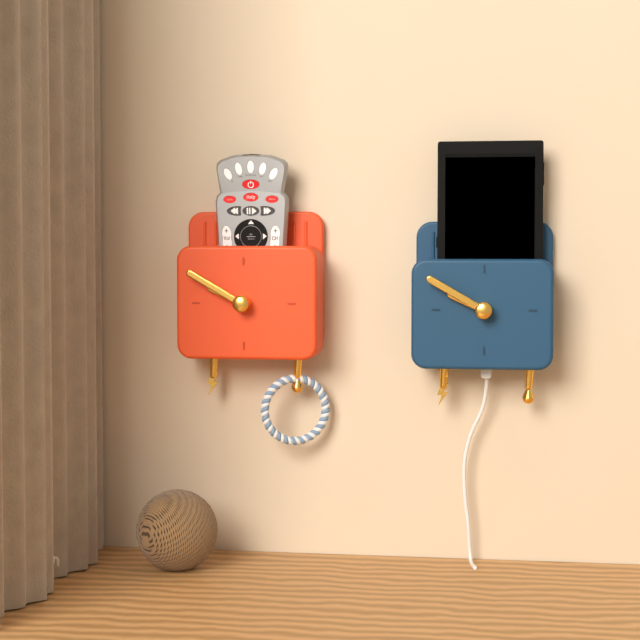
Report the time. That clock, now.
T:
9:50
